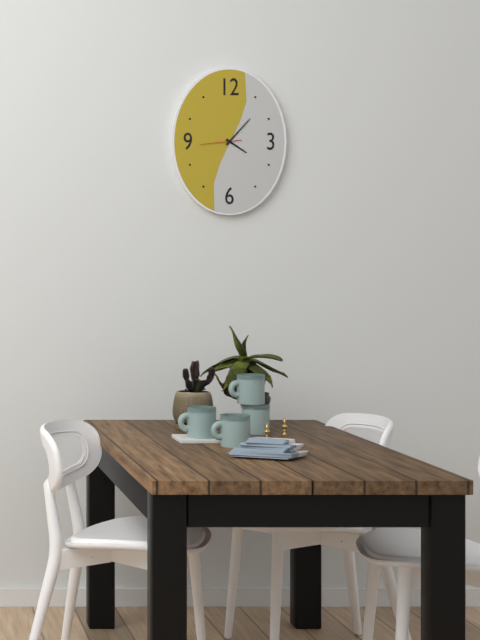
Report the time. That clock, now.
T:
4:07
